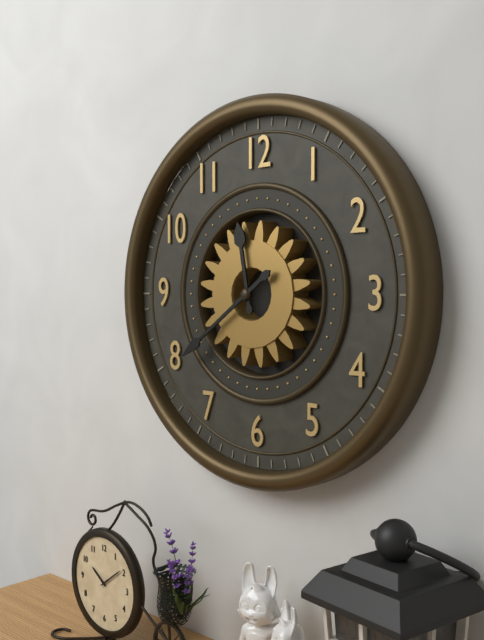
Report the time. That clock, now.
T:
11:39
